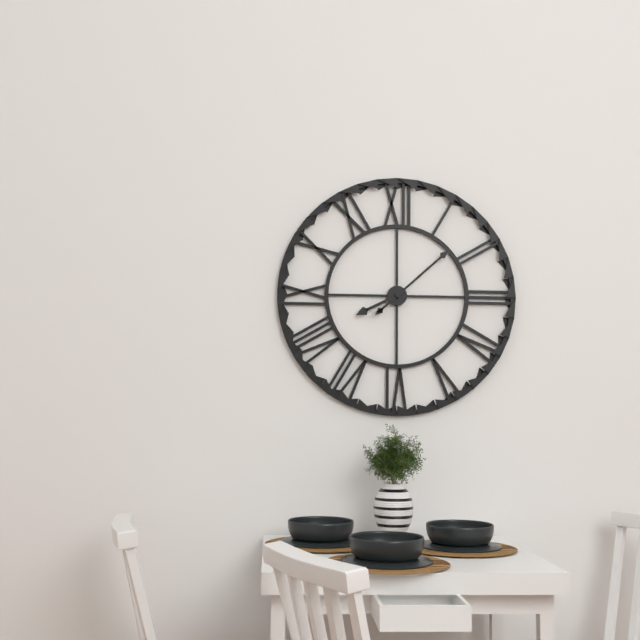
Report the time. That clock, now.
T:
8:08
